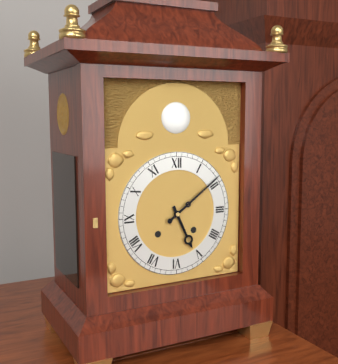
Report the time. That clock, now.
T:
5:09
